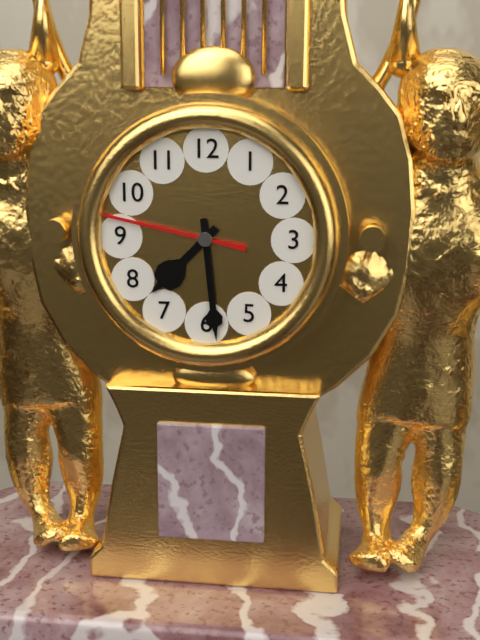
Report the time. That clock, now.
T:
7:29:47
